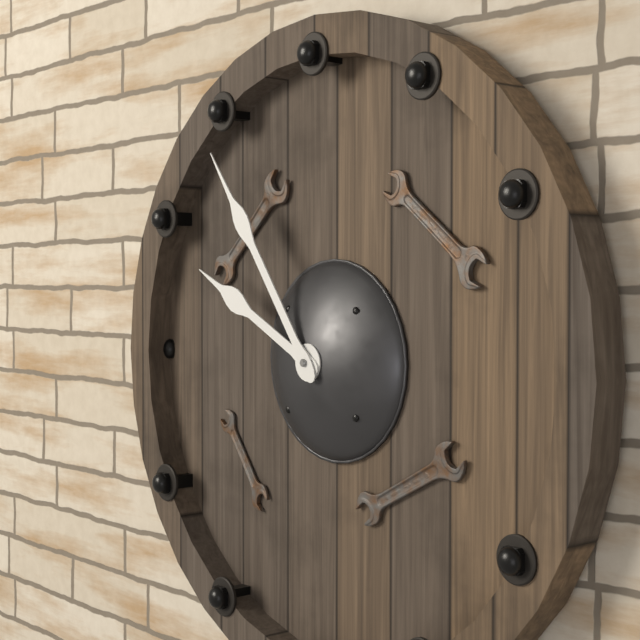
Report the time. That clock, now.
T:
9:54
